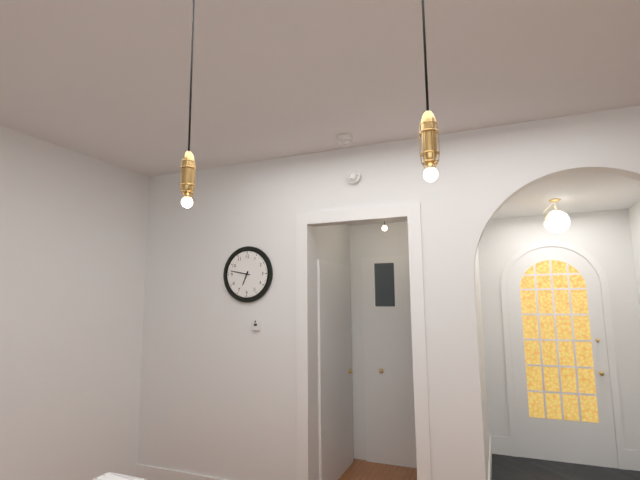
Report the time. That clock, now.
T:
6:47
